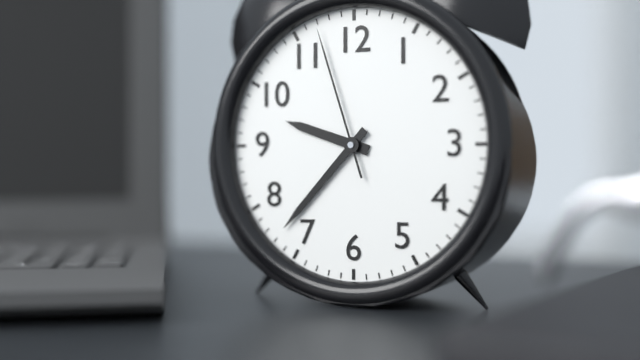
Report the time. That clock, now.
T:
9:37:57
